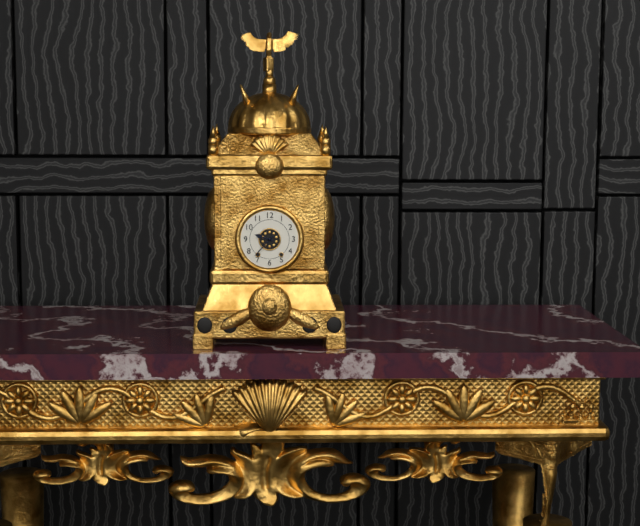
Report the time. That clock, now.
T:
9:37
